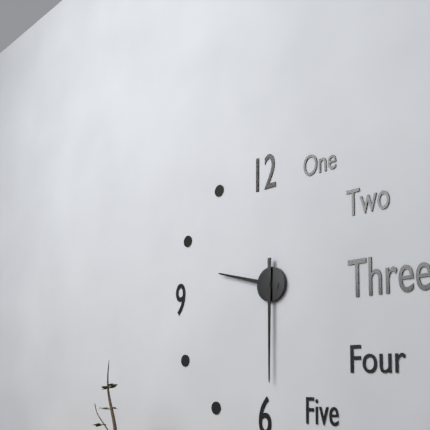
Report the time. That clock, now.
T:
9:30
